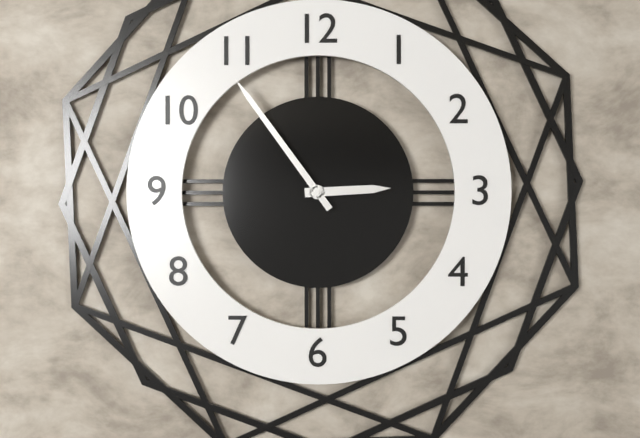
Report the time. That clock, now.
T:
2:54
